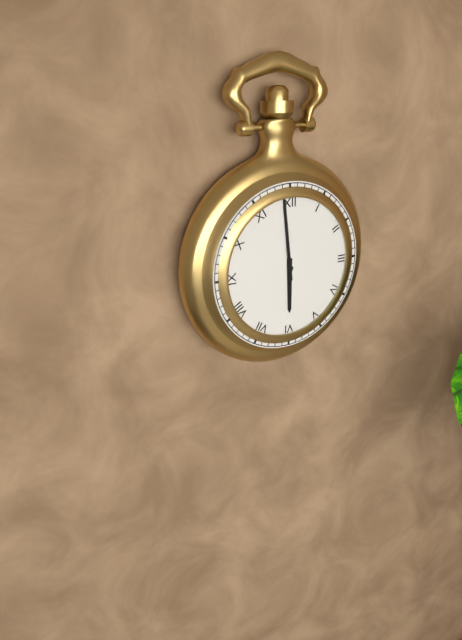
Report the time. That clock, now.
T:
5:59
